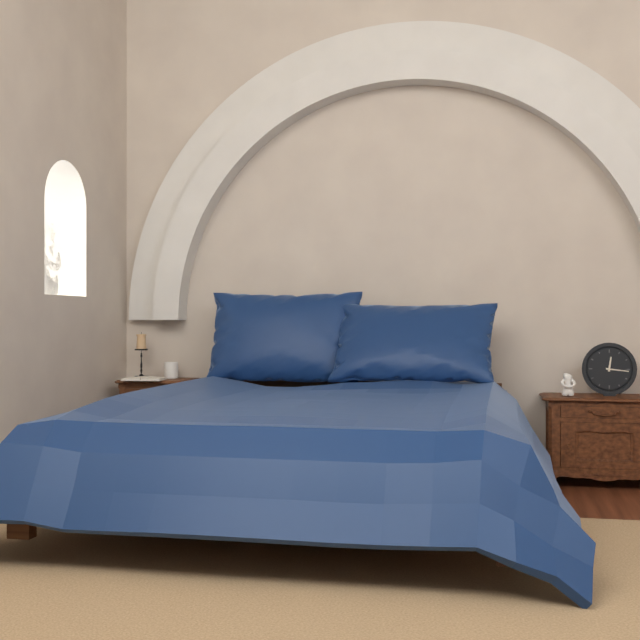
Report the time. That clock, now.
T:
12:16
